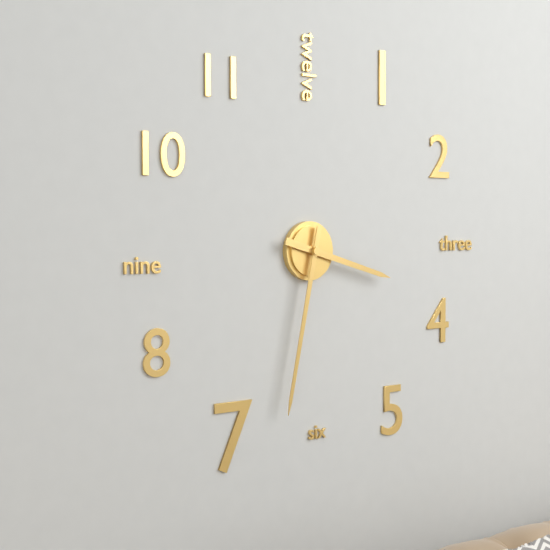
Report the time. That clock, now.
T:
3:32
